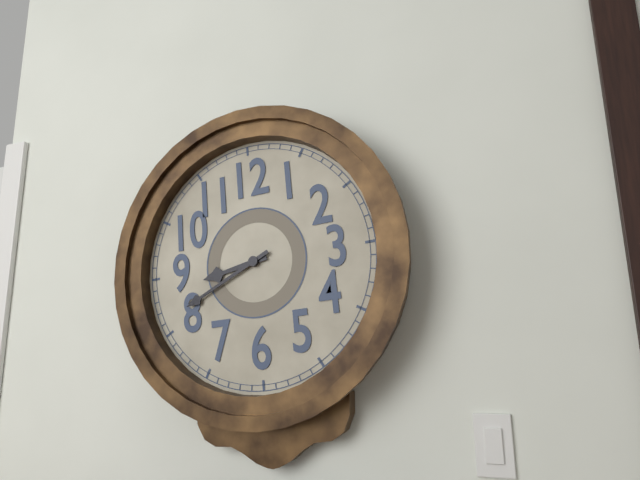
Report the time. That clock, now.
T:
8:41
